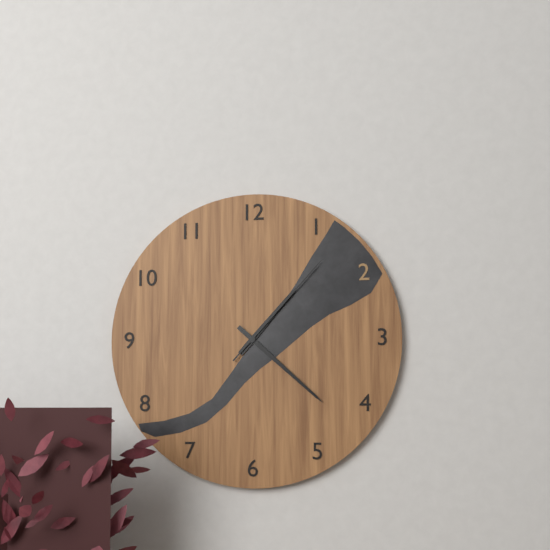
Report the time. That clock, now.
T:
1:22:07
